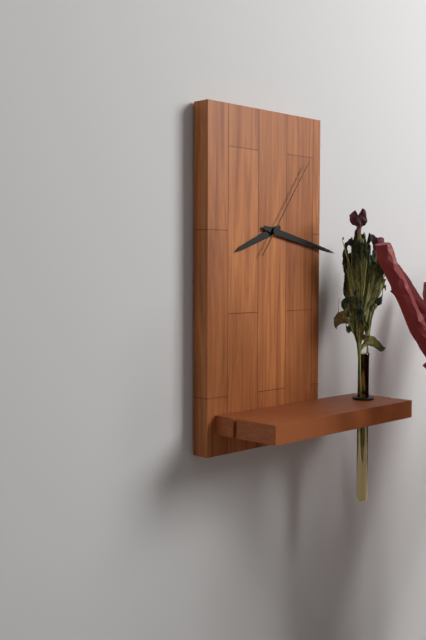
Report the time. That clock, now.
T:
8:17:06
